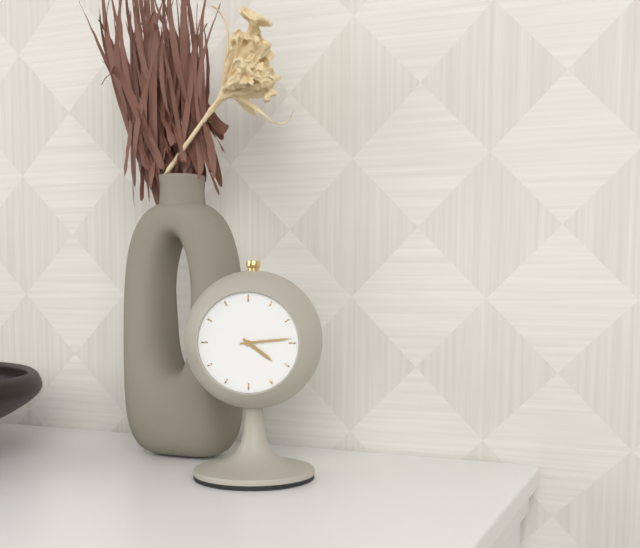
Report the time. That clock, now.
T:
4:14
